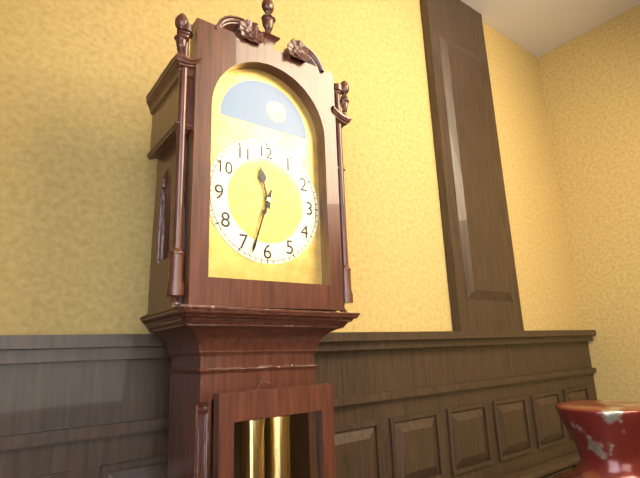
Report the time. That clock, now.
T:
11:33
